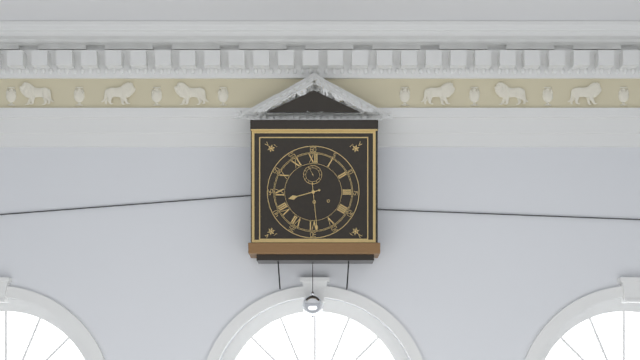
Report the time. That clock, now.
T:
8:29
